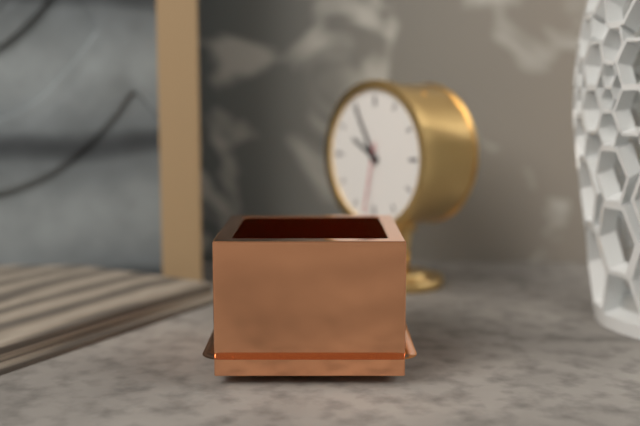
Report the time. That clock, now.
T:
9:55:32
